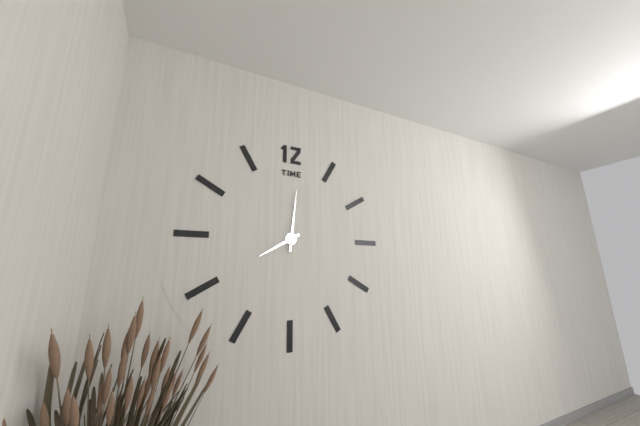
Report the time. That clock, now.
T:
8:01
